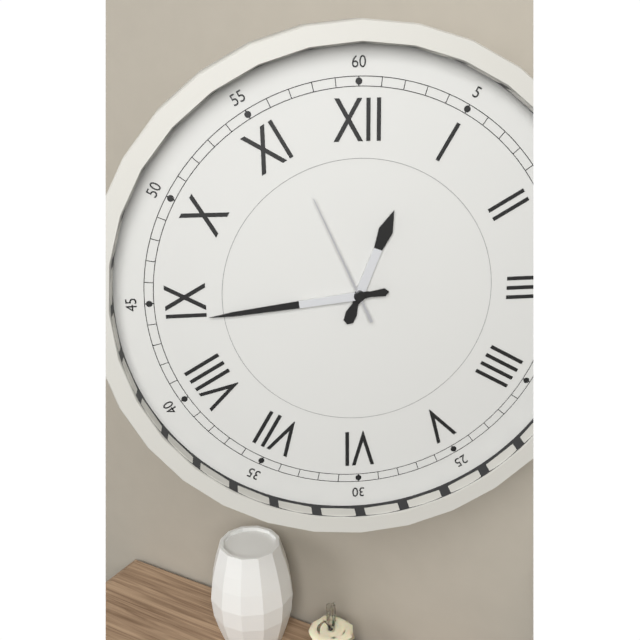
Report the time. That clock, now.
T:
12:44:56
